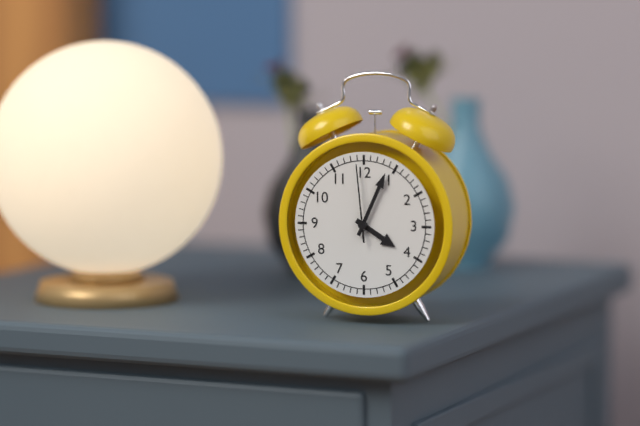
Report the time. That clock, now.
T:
4:04:59
